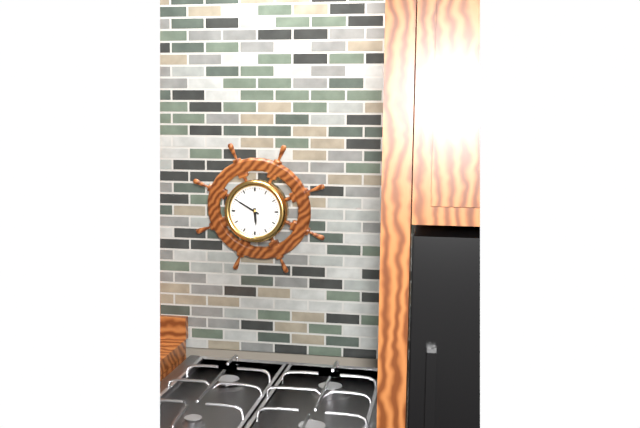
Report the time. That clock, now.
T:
5:50
